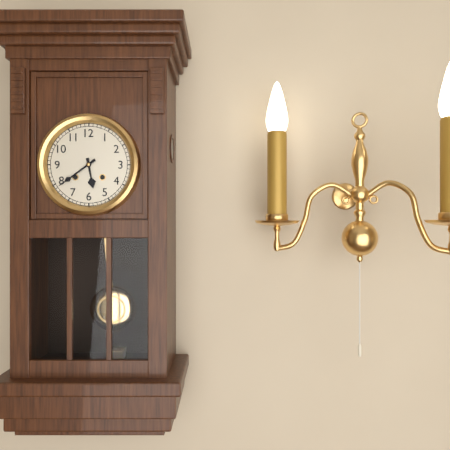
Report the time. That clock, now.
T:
5:39
